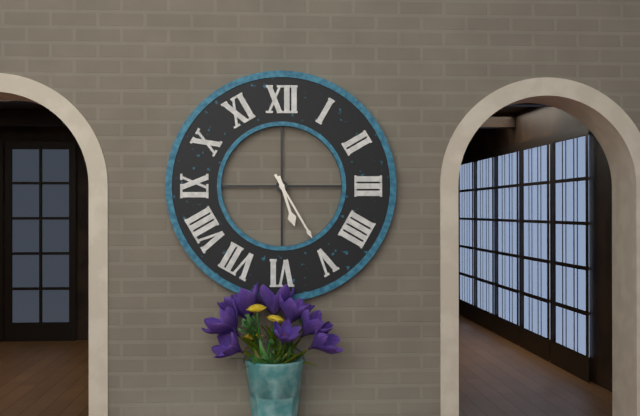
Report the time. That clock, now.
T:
5:25
